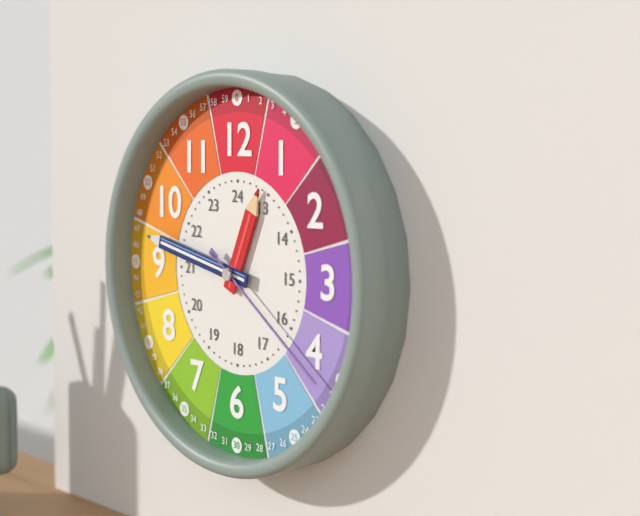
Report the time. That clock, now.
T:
12:47:21
